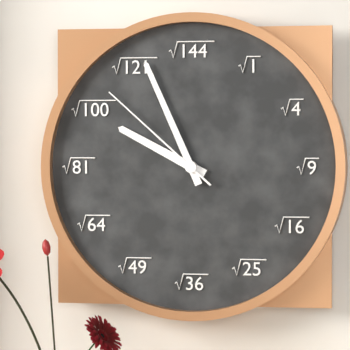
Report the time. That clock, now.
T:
9:56:52
